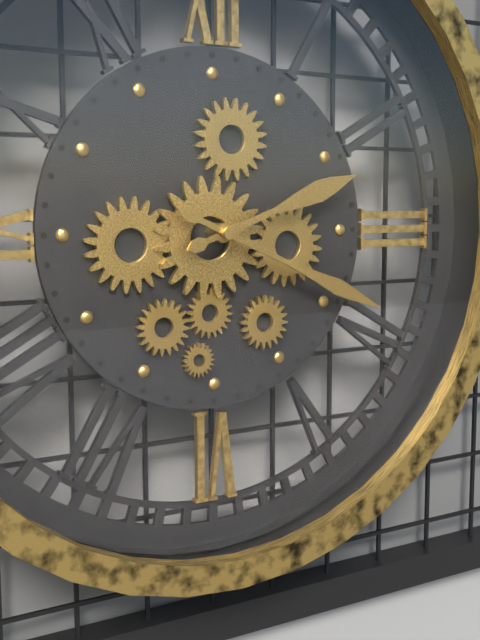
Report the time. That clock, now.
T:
2:19
